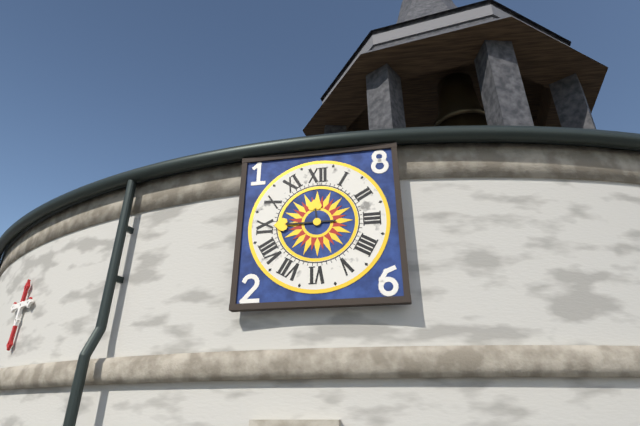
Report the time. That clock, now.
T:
11:45
